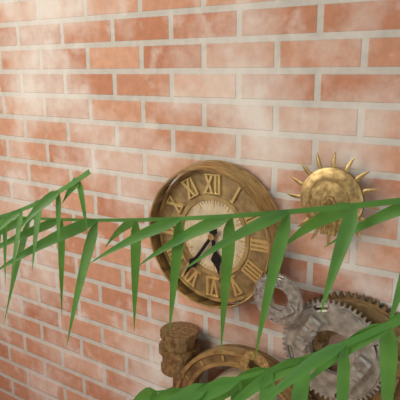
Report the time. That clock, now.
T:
5:36
